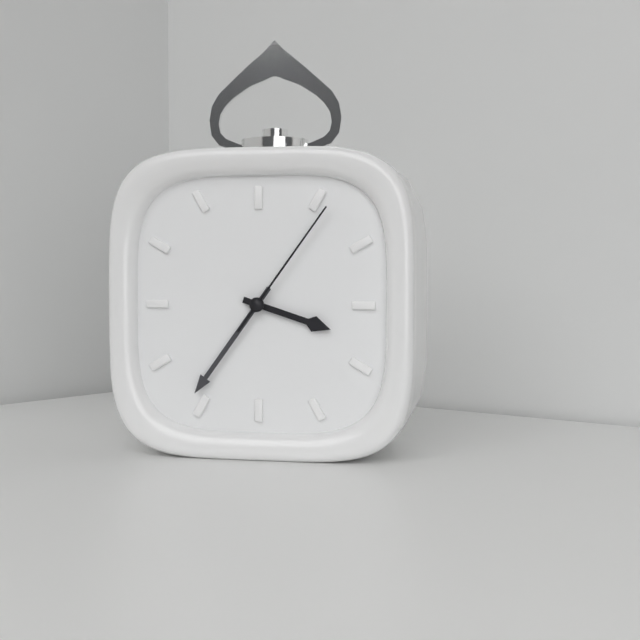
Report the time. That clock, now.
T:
3:36:06
